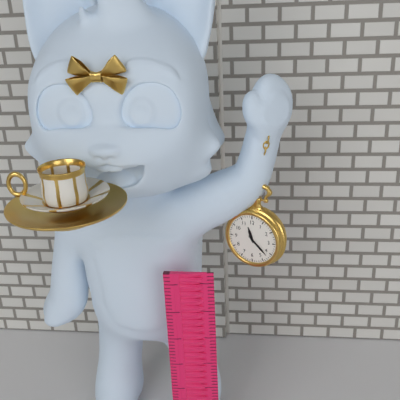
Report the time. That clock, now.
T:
11:22
